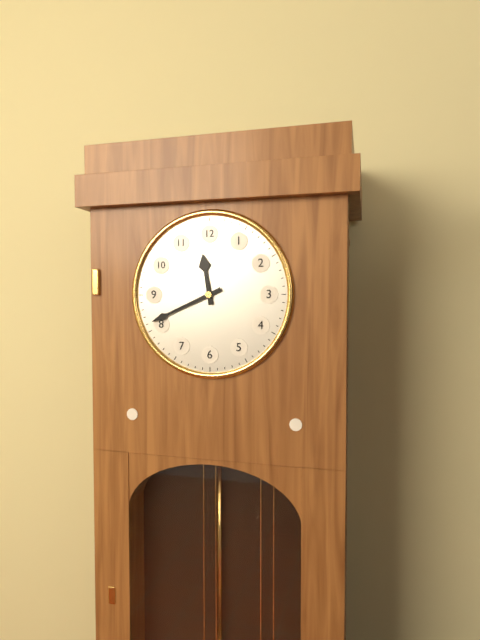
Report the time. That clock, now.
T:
11:41
